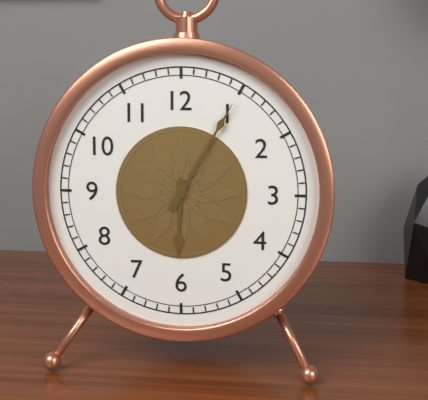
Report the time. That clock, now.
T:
6:05
